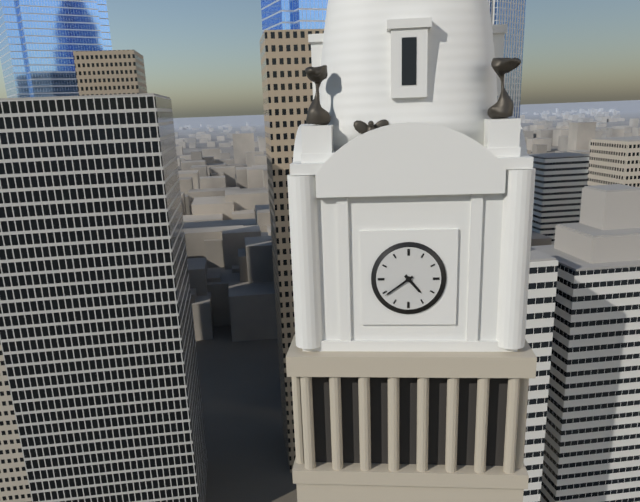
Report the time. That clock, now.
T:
4:39
